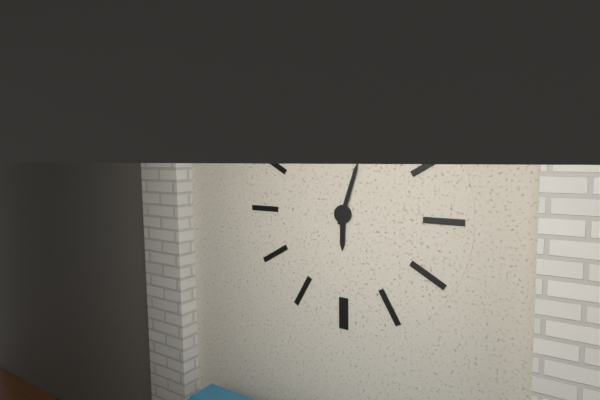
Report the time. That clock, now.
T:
6:03
